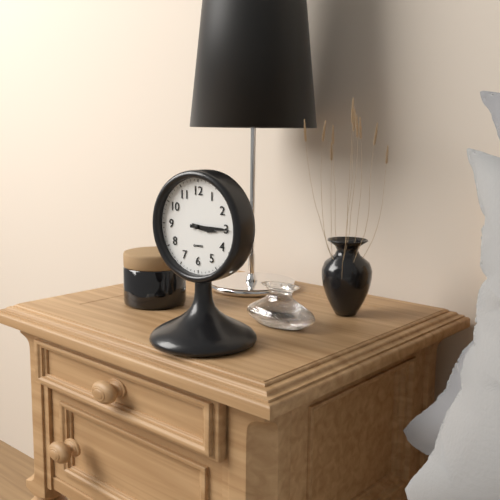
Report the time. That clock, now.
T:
3:15
